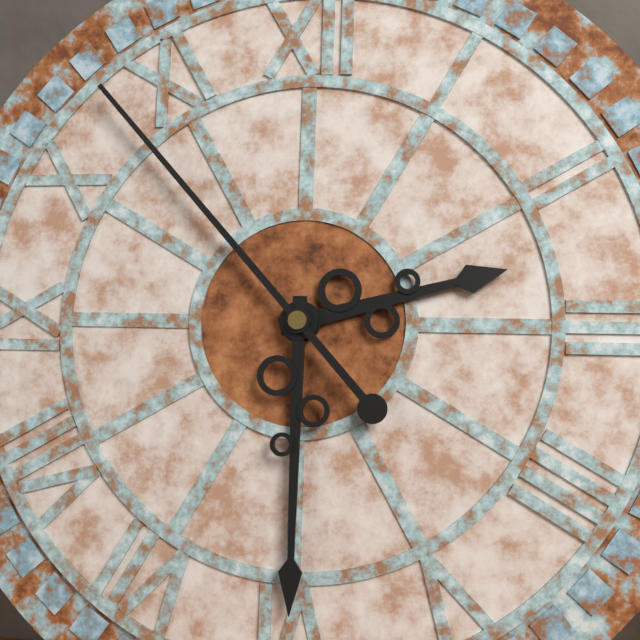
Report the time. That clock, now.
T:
2:30:53
